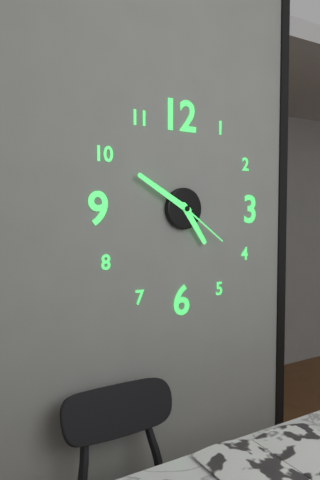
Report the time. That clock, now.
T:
4:50:21
